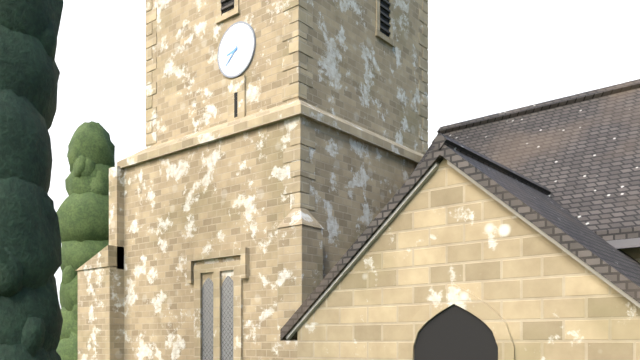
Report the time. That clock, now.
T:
8:38
